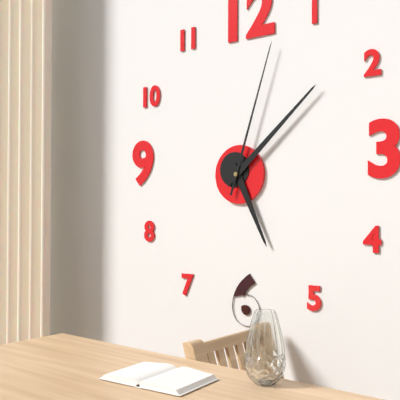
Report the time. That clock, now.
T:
5:08:03
